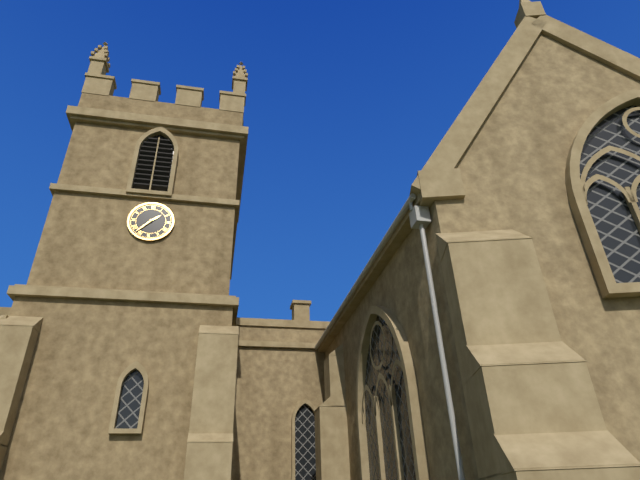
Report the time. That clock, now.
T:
1:37
